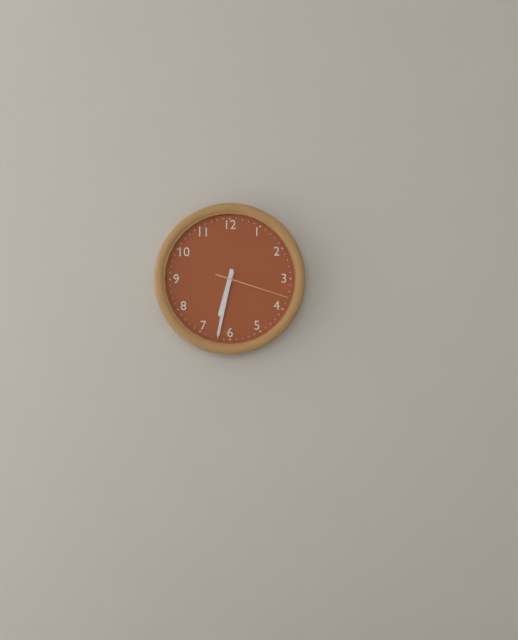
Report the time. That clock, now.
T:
6:32:18
